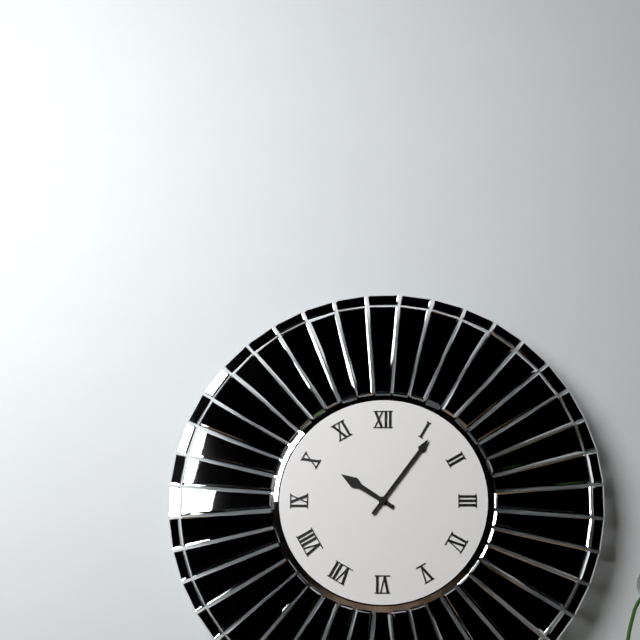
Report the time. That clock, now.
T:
10:06
